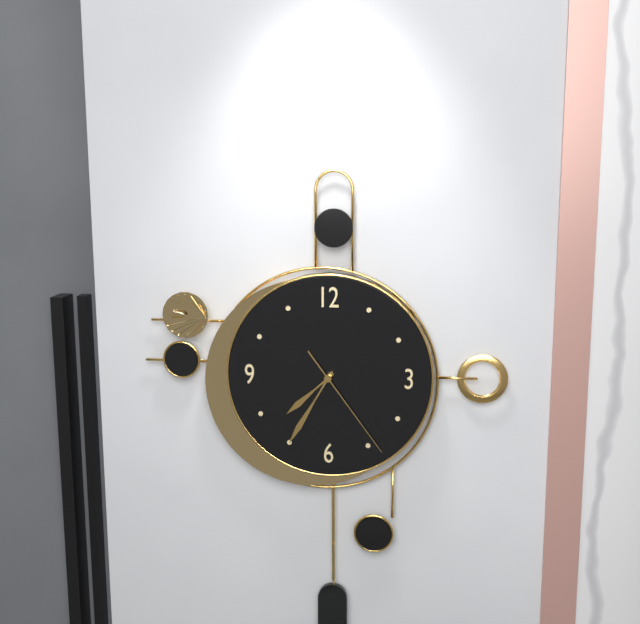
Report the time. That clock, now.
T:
7:35:24
